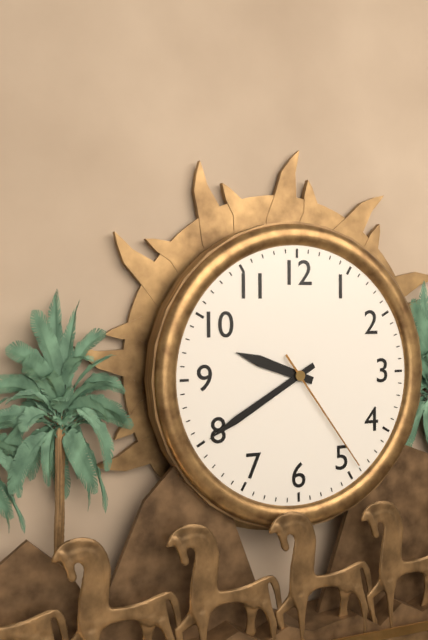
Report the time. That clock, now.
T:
9:40:24
